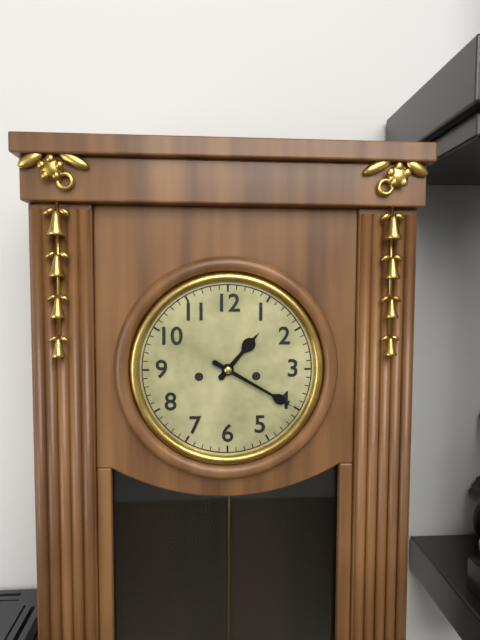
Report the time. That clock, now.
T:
1:20
